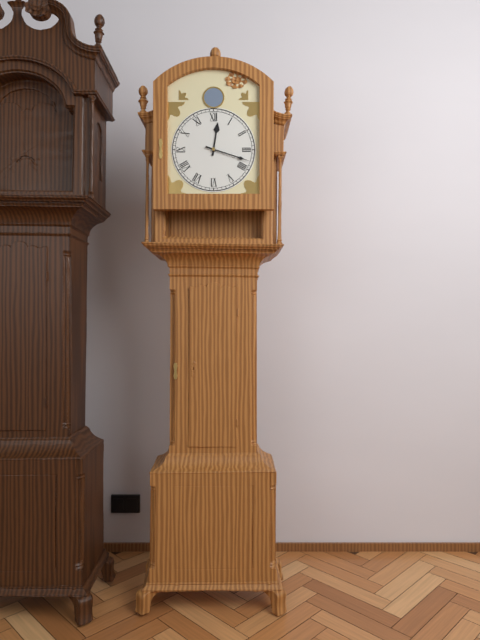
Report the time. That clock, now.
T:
12:18
